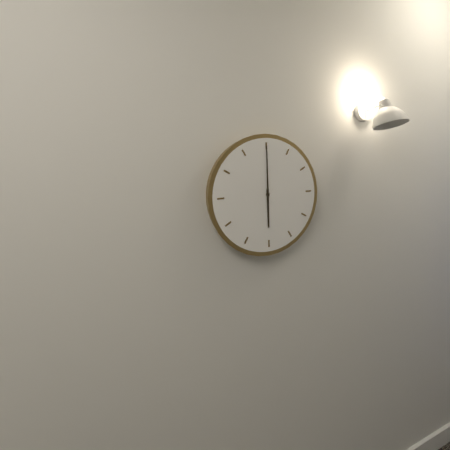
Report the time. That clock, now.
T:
6:00
